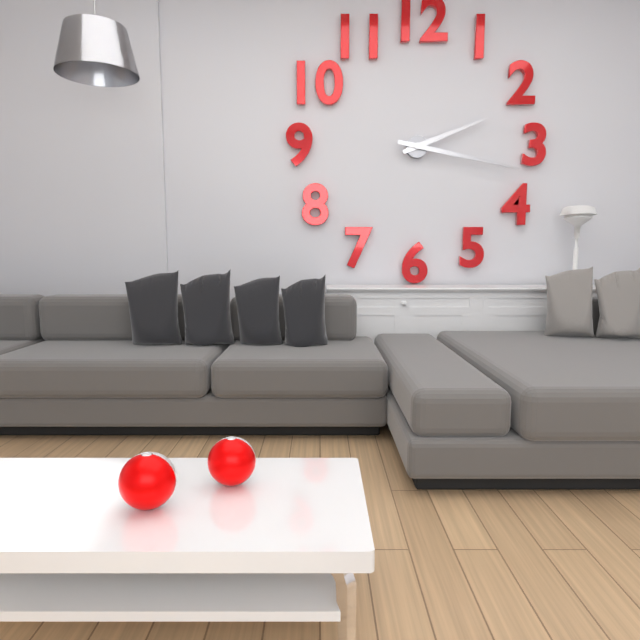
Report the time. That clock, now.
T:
2:17
